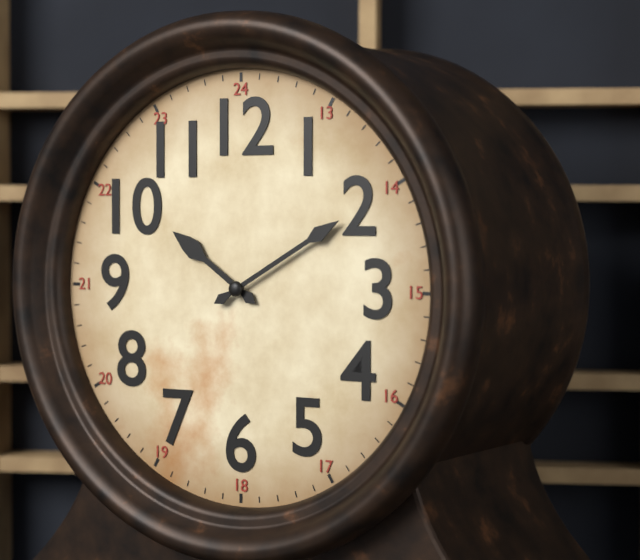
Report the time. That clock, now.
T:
10:10
